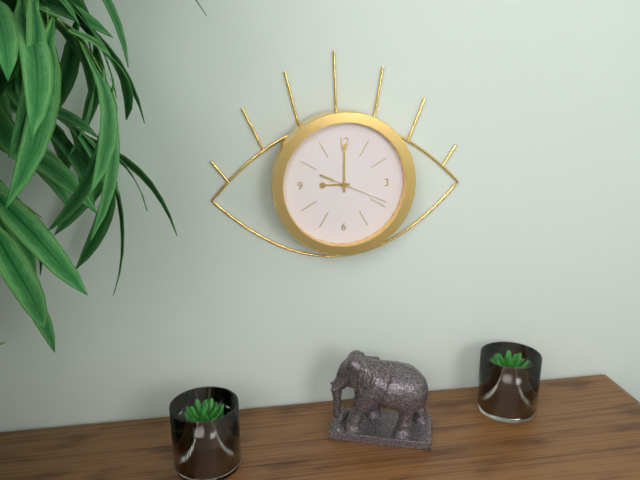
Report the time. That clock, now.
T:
9:00:19
